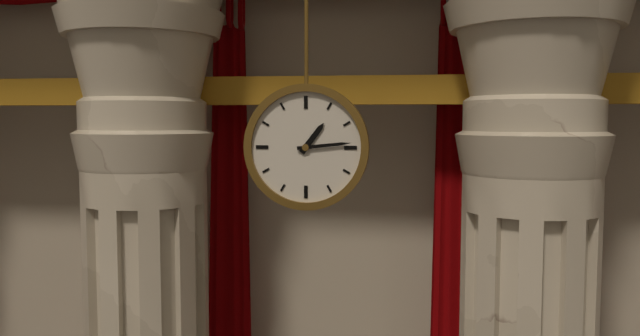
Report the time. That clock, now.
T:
1:14
